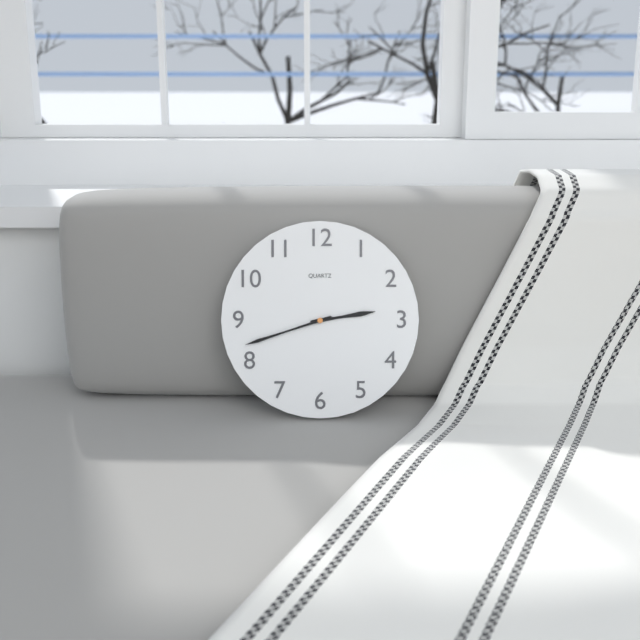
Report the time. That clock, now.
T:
2:42
